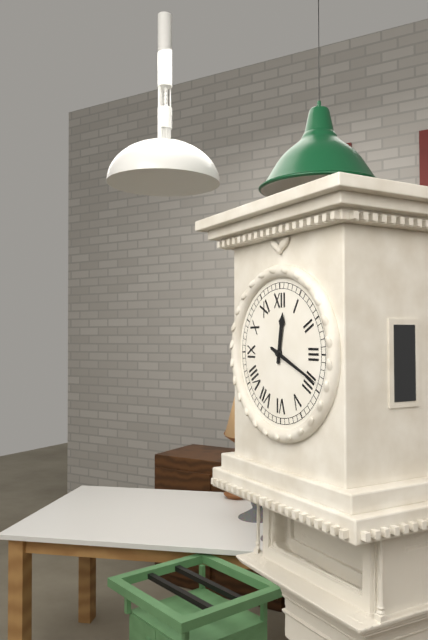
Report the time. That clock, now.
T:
12:19
